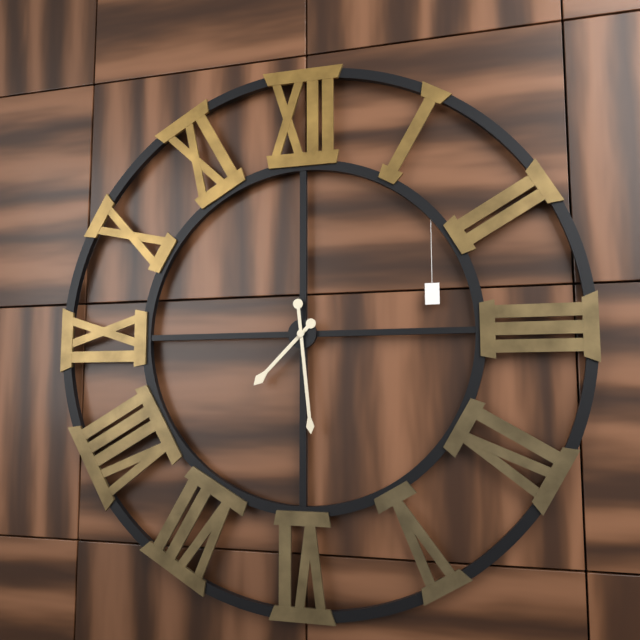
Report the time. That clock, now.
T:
7:29
